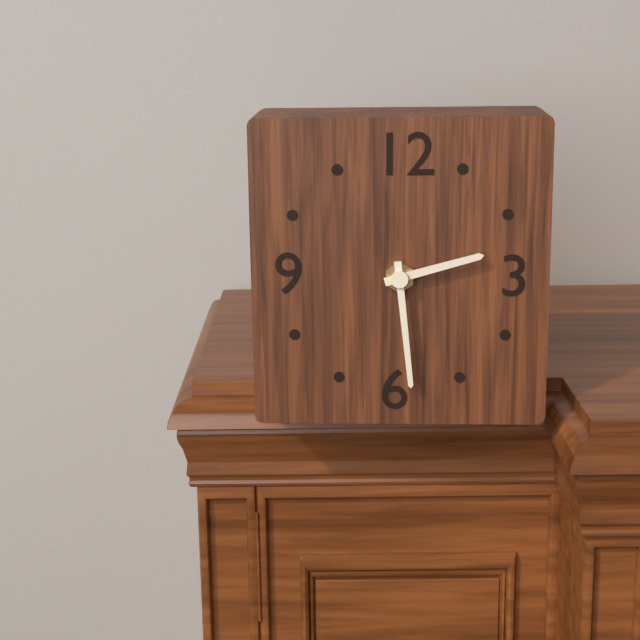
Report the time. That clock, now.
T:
2:29
